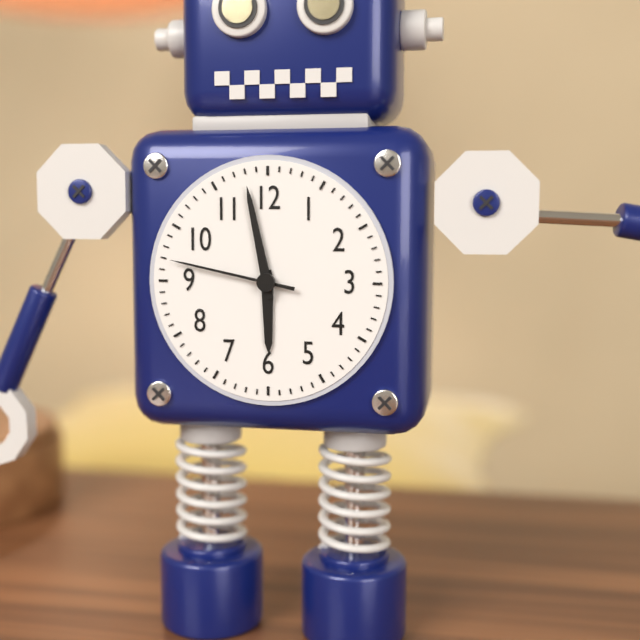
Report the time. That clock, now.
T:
5:58:47
